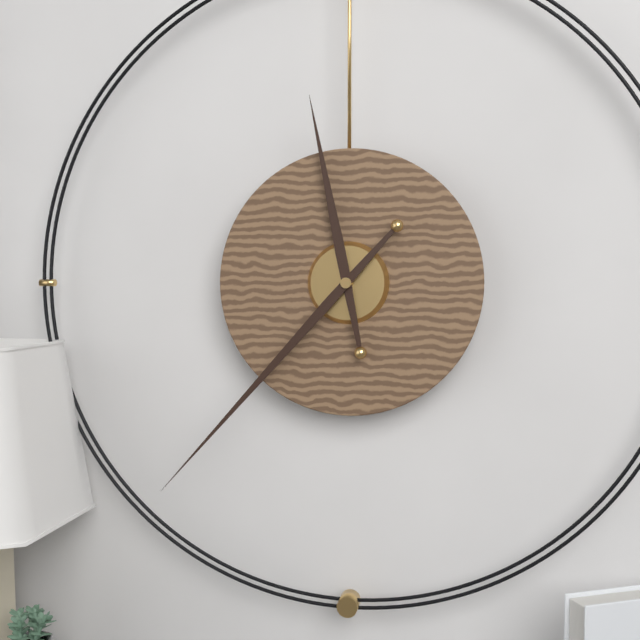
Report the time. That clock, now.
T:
11:37
